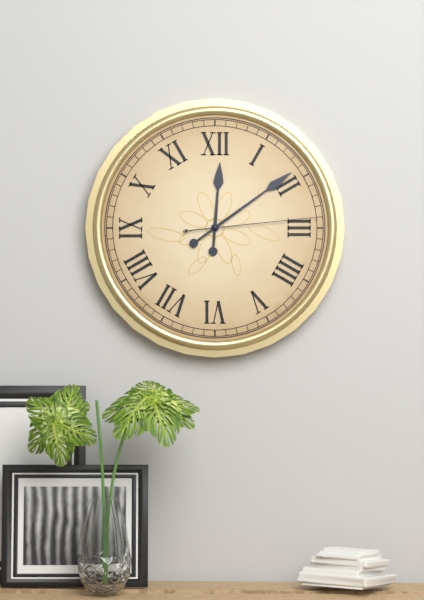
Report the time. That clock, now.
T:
12:09:14
